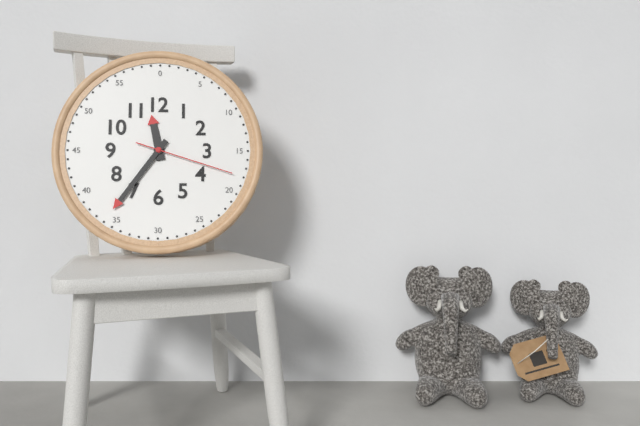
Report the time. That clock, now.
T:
11:36:18
